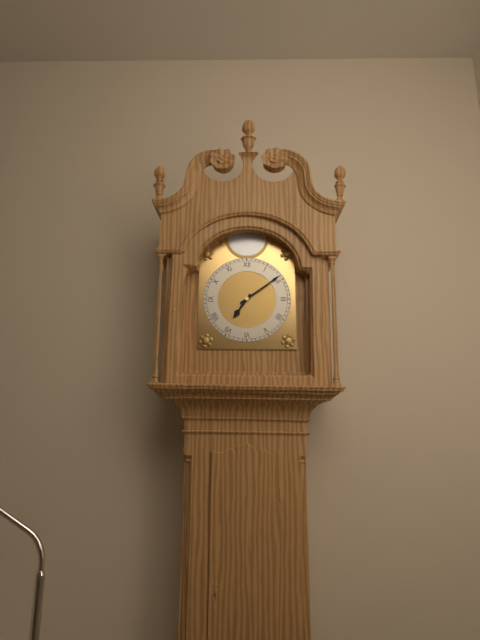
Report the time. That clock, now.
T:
7:09
